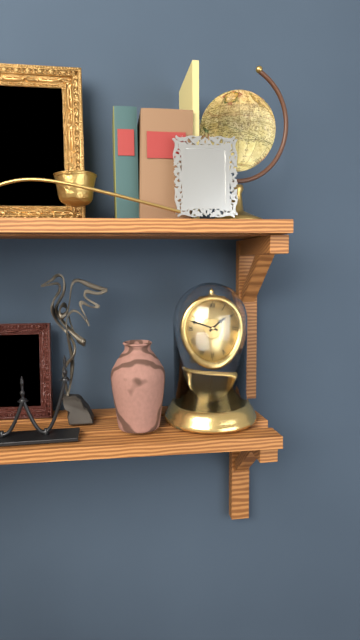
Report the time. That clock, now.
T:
1:48
